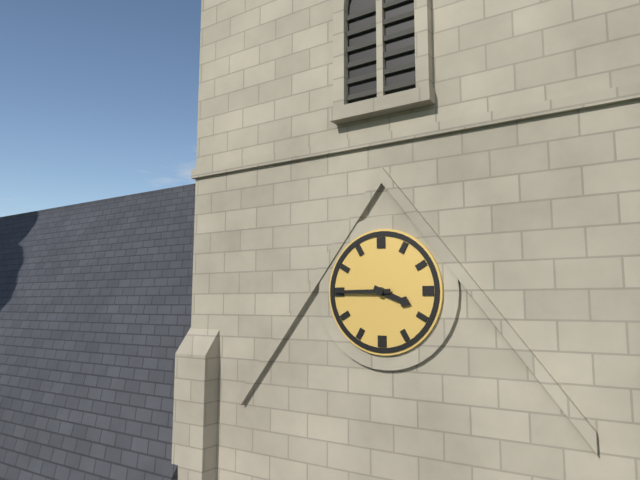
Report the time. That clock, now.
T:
3:45
